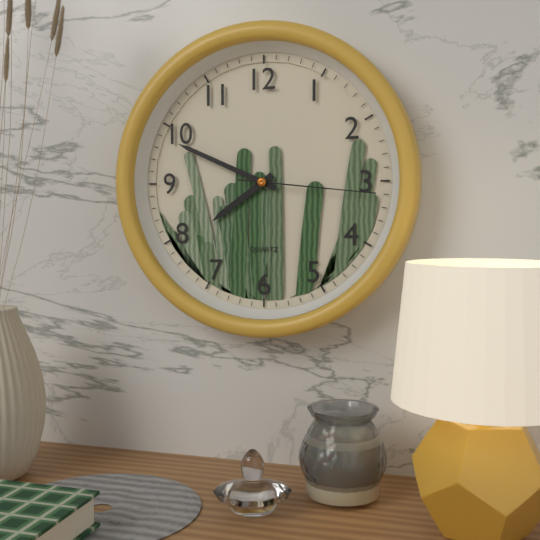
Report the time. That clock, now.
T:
7:49:16
